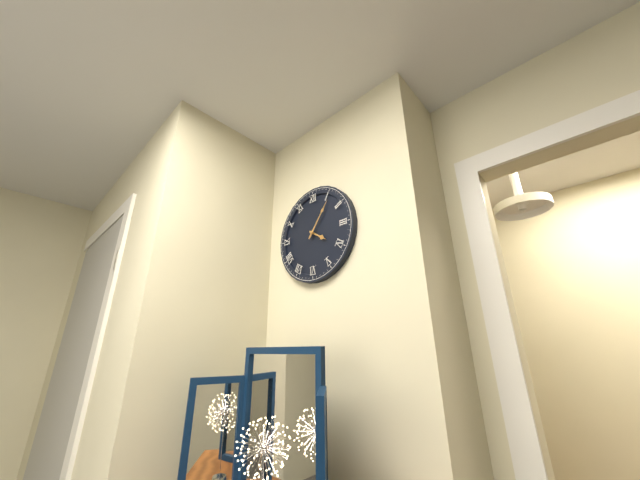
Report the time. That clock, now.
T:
4:06
